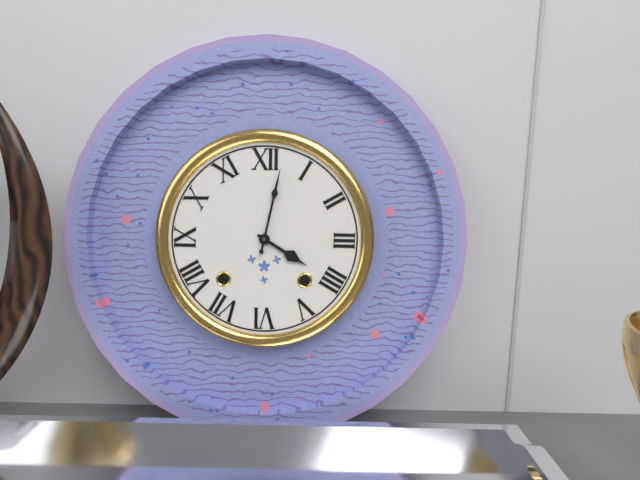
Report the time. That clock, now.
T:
4:02
